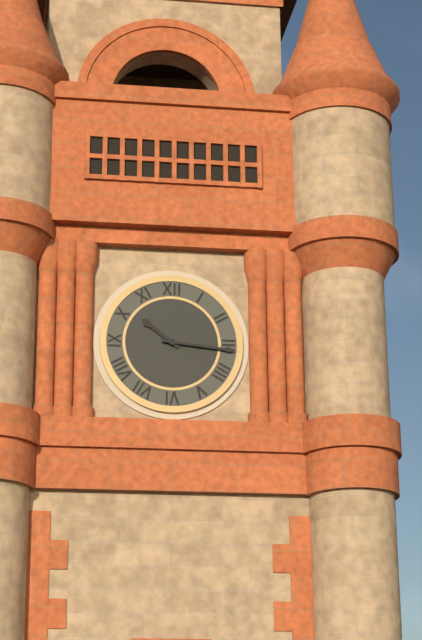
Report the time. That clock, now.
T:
10:16
